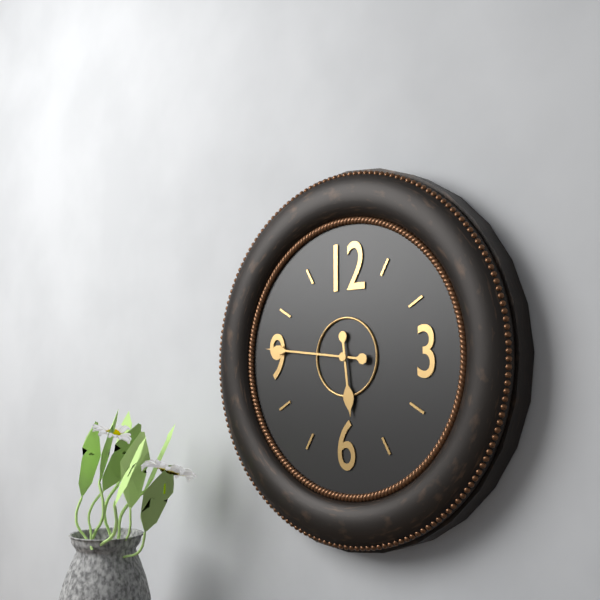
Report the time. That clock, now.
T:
5:46
